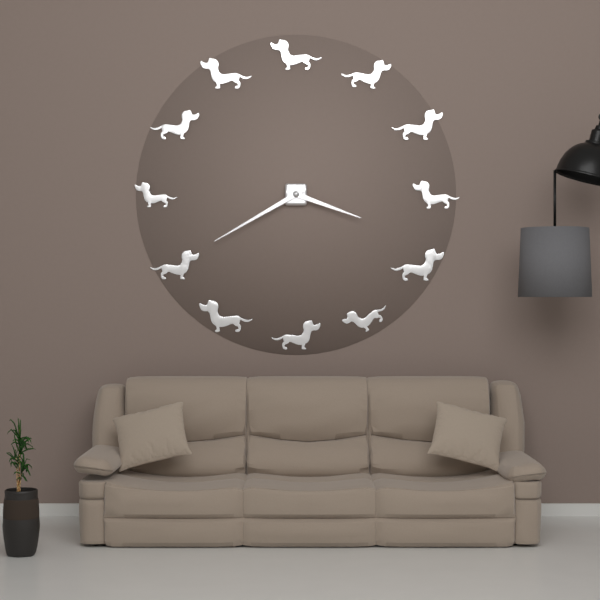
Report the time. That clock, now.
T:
3:40
